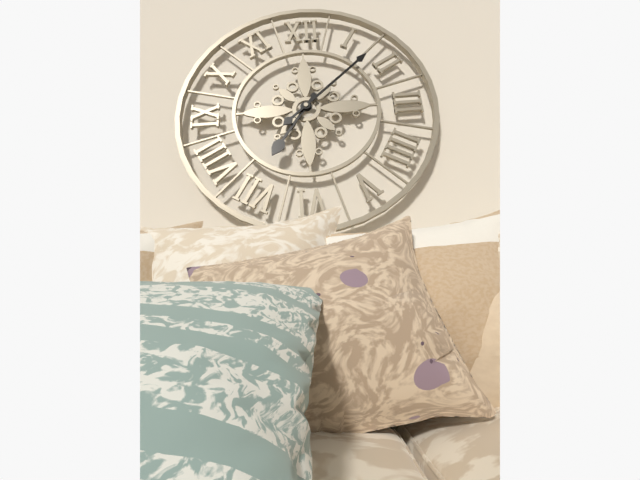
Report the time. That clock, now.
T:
7:08
